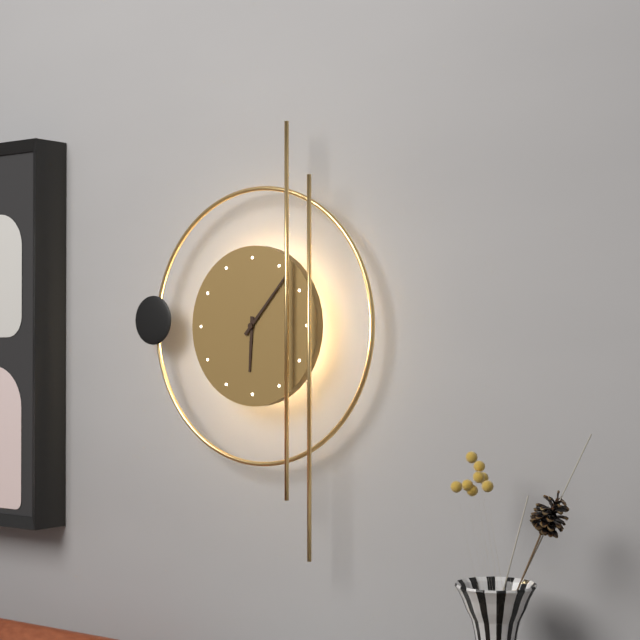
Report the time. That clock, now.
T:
6:07
